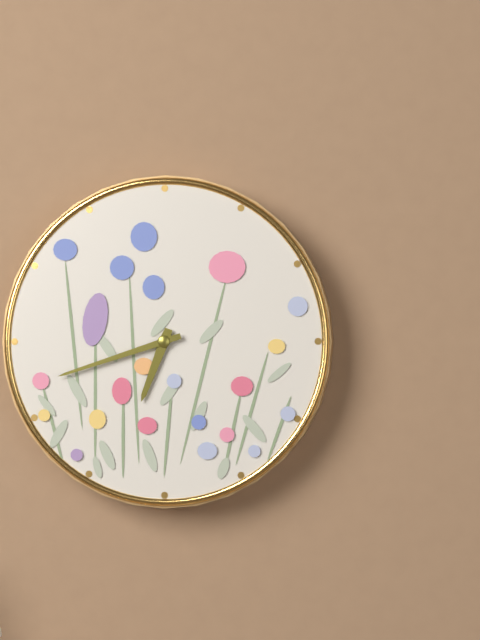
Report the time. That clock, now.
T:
6:42
